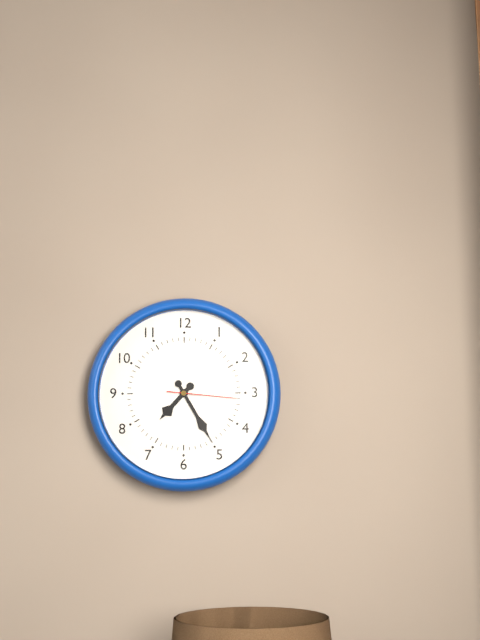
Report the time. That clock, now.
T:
7:25:16
